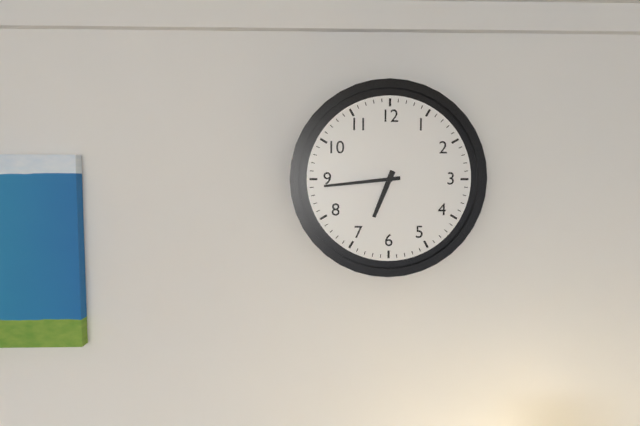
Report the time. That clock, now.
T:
6:44
